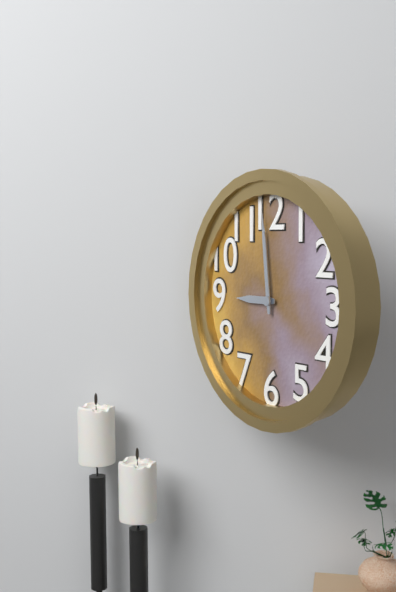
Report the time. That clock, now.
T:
8:59
